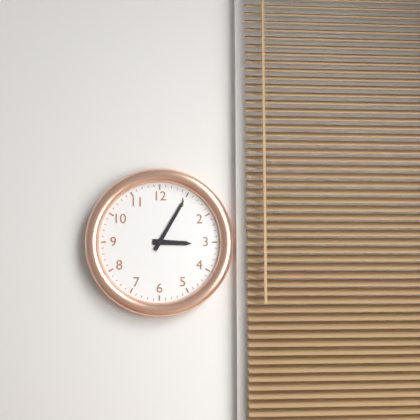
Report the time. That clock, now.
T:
3:05
